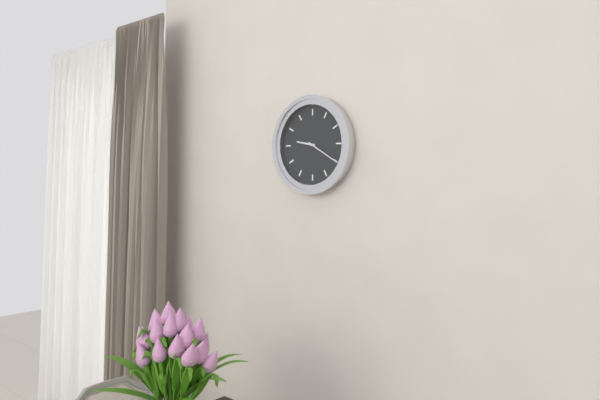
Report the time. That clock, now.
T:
9:20
